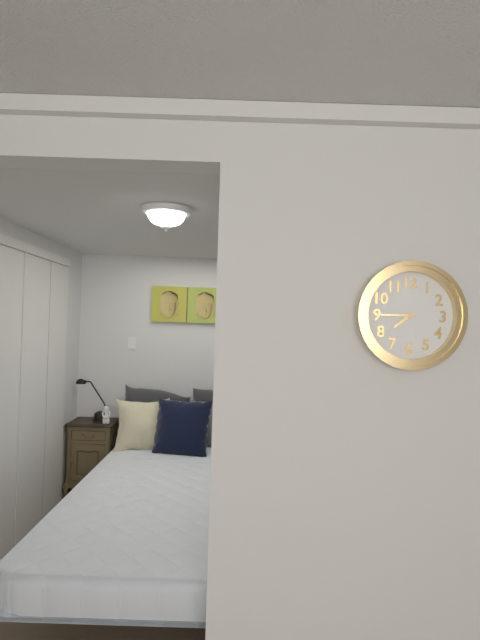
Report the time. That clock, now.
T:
7:45
